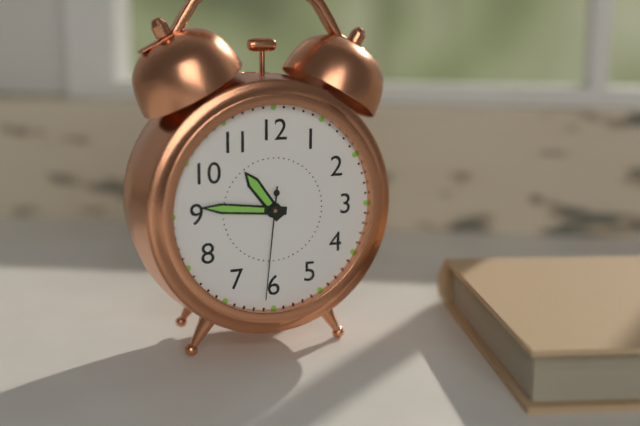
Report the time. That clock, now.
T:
10:46:31
